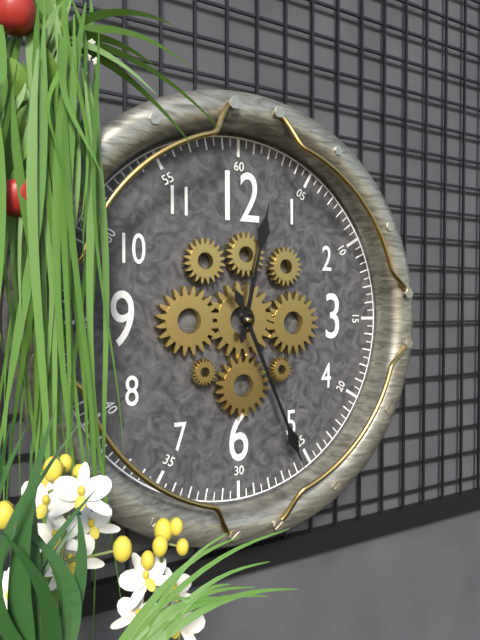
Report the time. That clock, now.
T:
12:26
